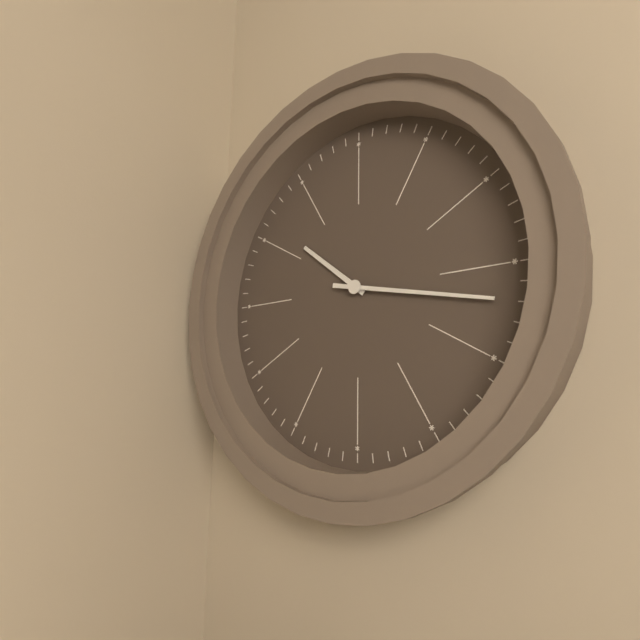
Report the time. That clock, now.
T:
10:17
